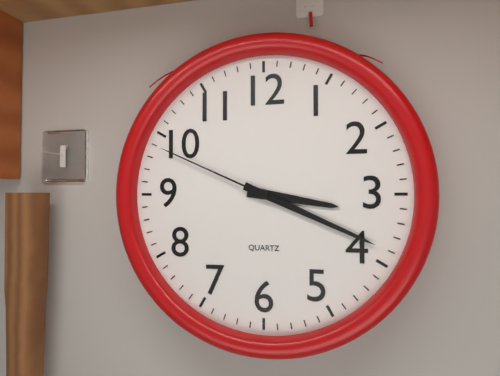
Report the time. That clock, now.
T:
3:19:49
